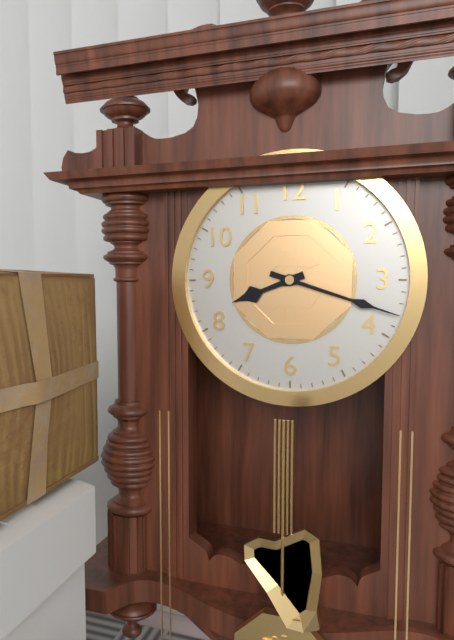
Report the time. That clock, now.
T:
8:18
